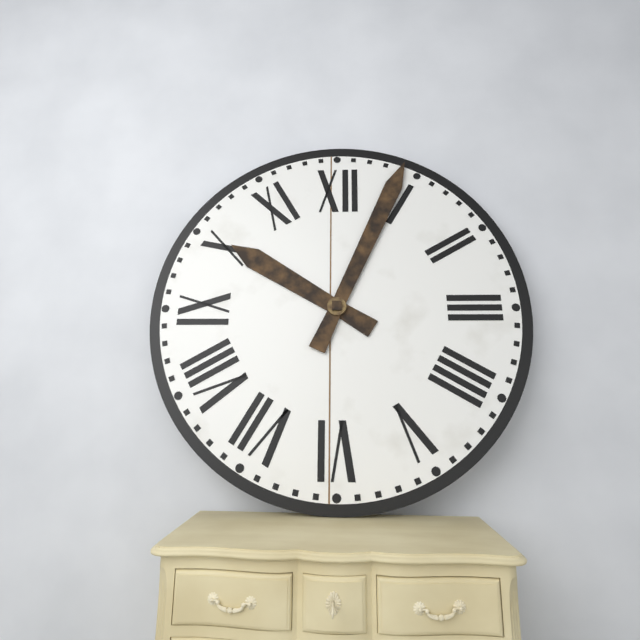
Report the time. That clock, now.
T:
10:04
